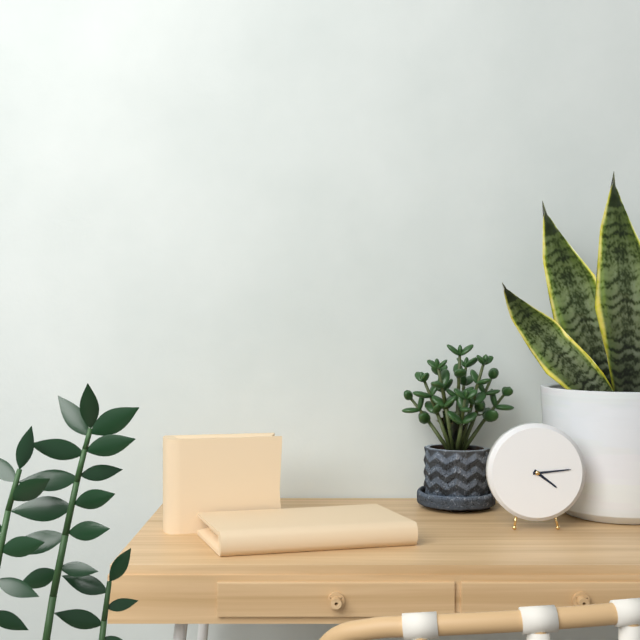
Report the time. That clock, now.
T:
4:14
